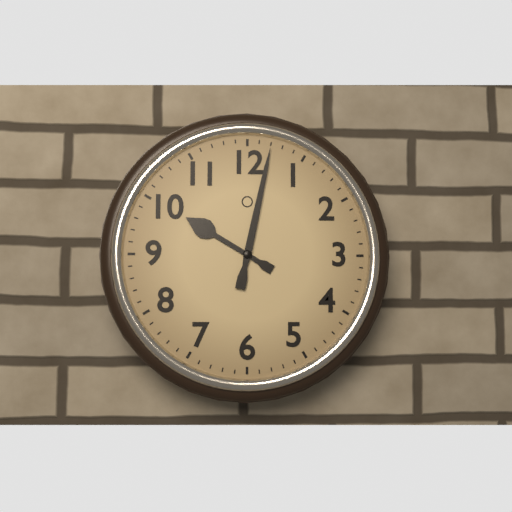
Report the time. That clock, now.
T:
10:02
